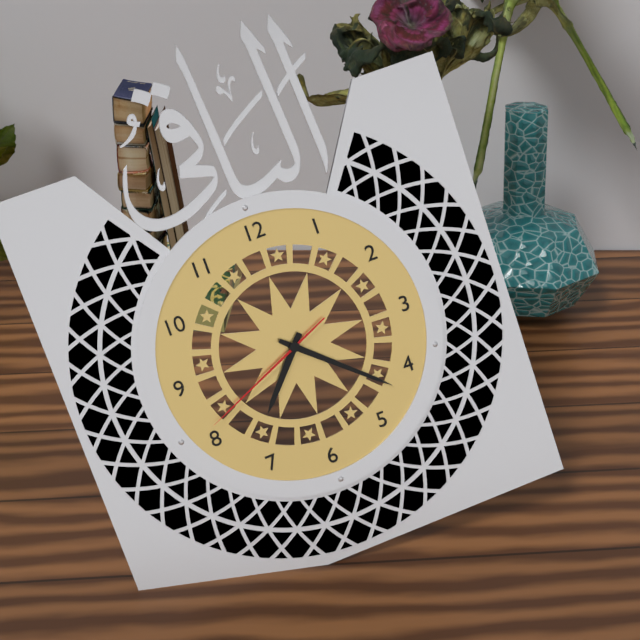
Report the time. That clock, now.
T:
7:22:41
